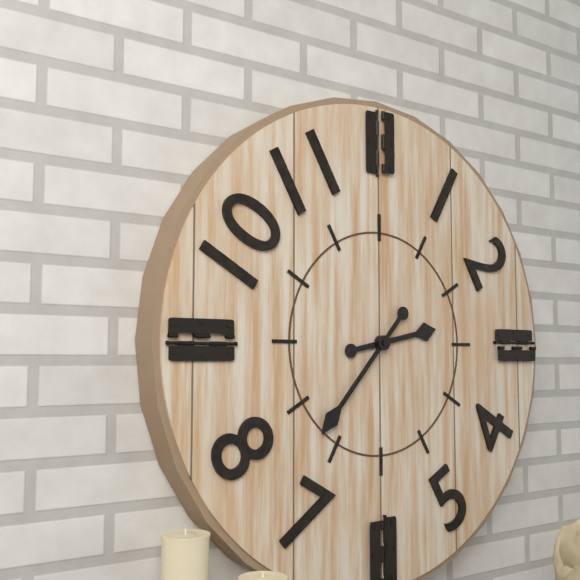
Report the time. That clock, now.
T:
2:37
